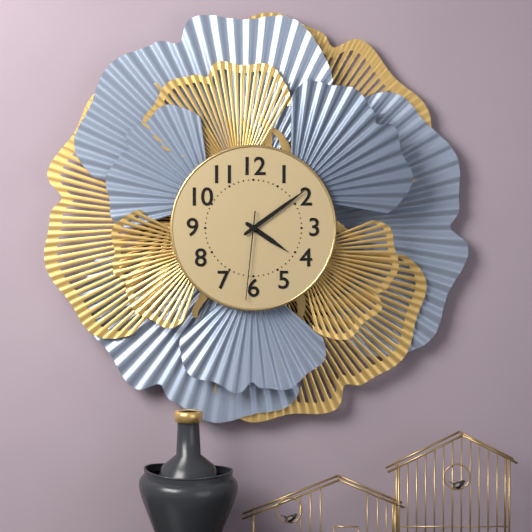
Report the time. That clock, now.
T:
4:09:31
